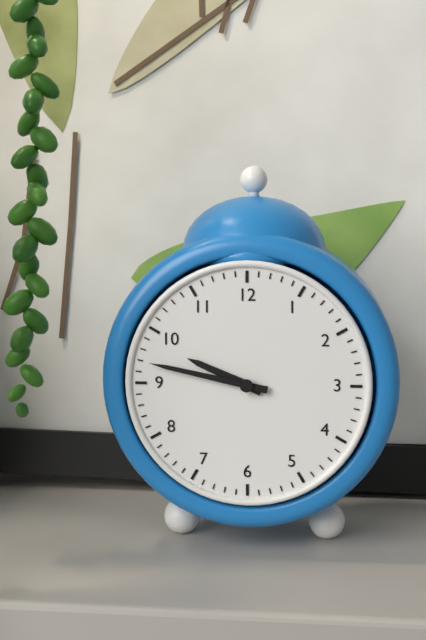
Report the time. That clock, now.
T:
9:47
